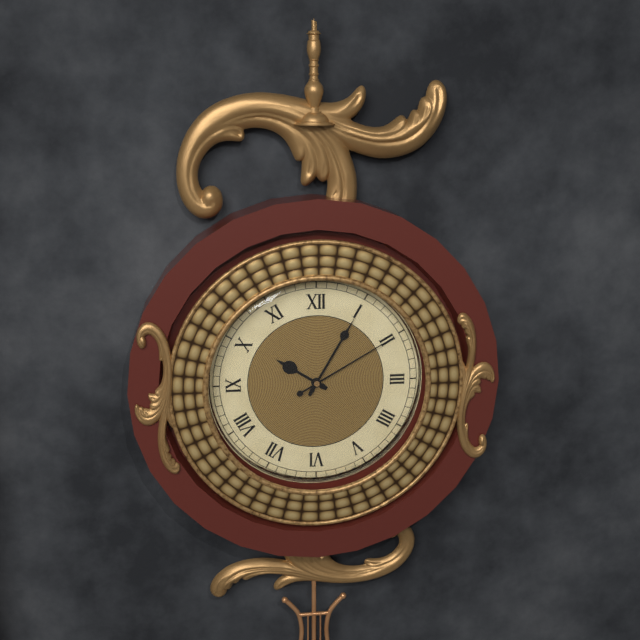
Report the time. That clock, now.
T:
10:05:10
